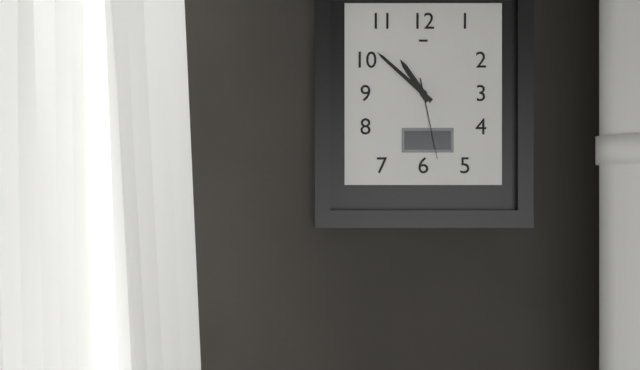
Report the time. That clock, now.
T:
10:52:28
